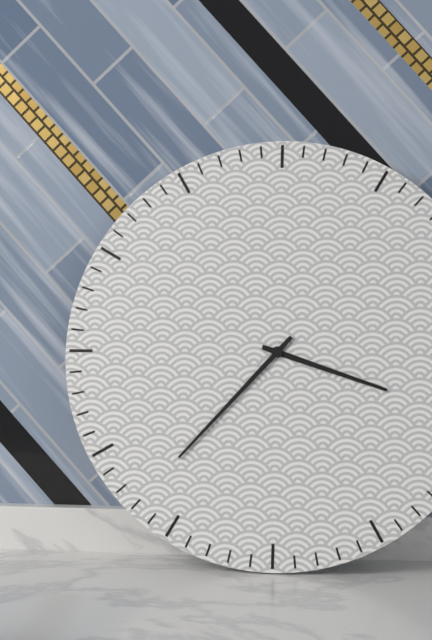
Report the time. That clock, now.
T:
3:37
